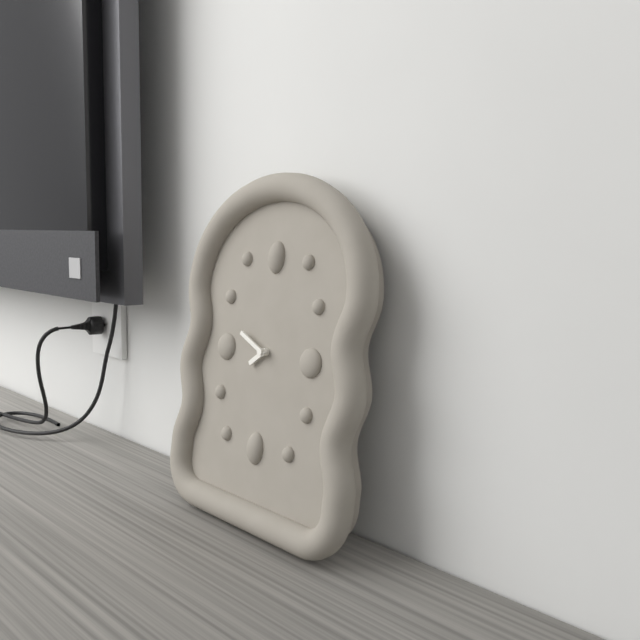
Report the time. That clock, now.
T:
7:49
